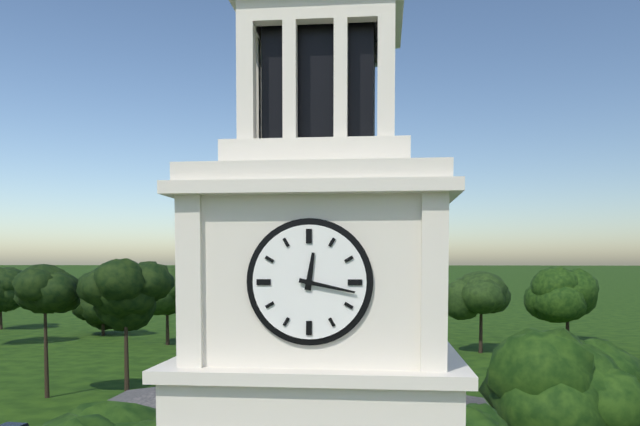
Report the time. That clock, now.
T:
12:17
